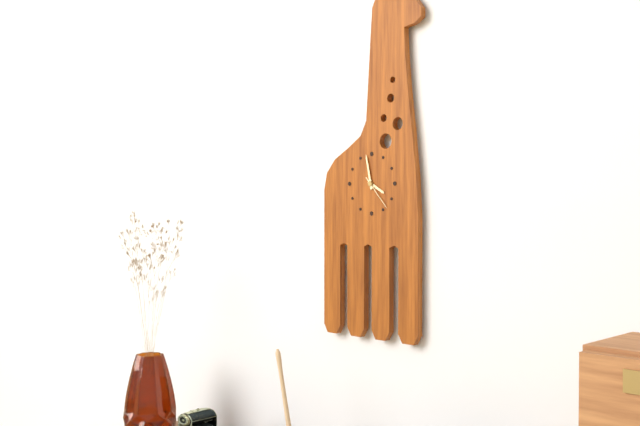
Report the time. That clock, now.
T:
3:58
